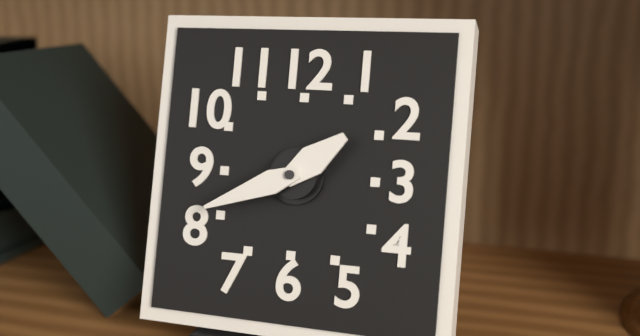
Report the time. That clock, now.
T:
1:41
